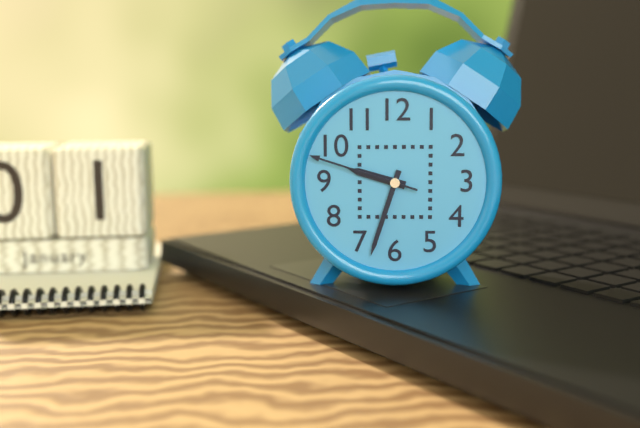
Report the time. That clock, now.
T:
9:33:48
